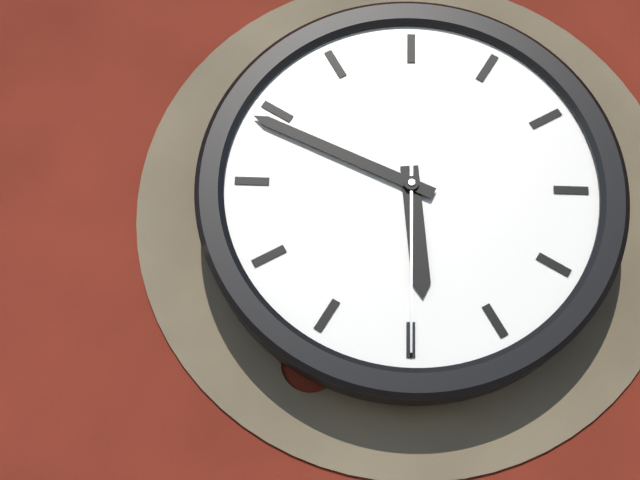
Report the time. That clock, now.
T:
5:49:30
